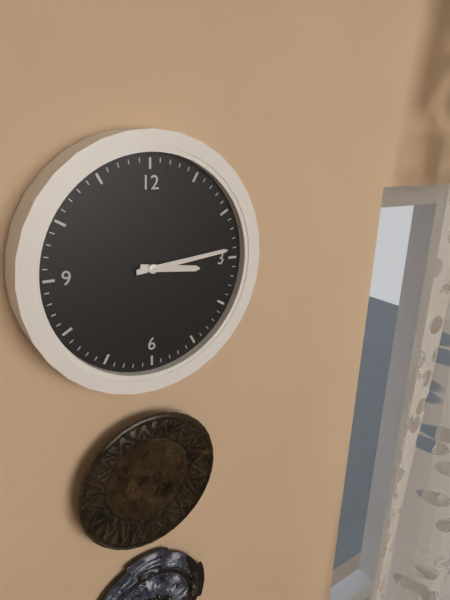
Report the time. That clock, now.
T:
3:14
